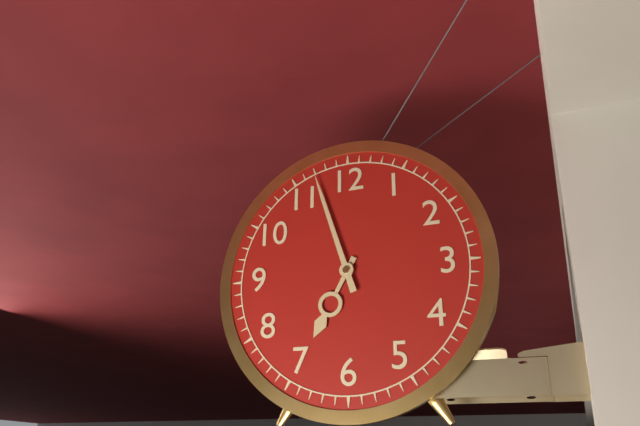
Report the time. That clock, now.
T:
6:57
